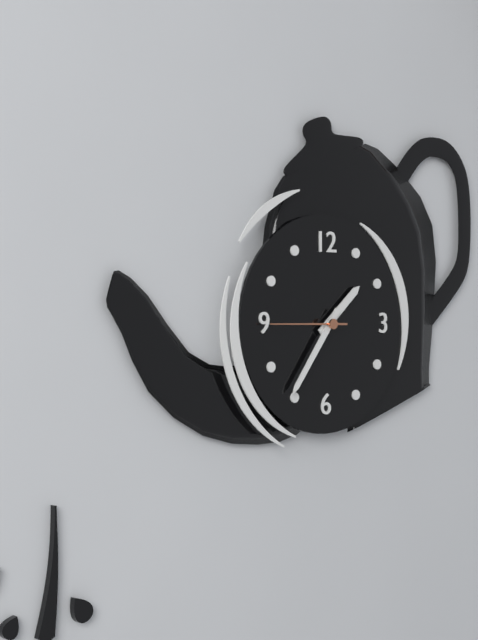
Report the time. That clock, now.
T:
1:36:45
